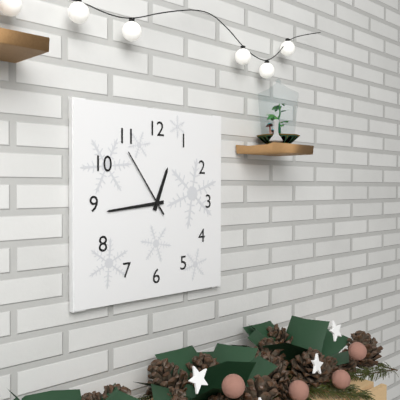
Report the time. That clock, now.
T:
12:44:54
